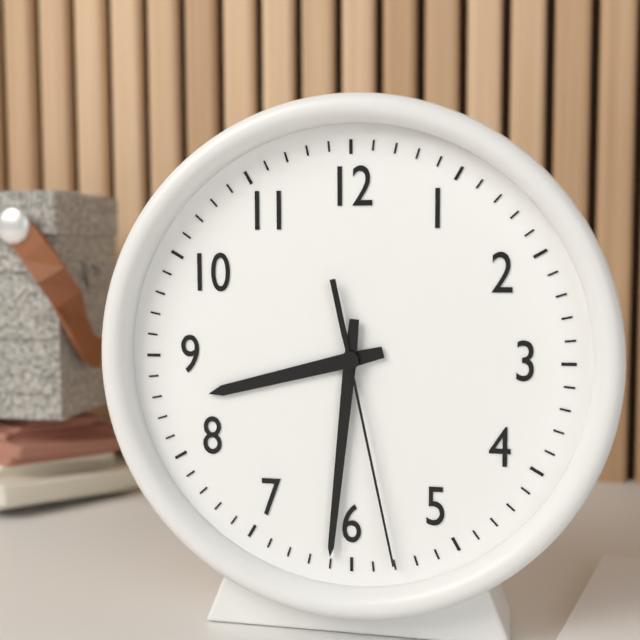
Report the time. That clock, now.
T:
8:31:28
